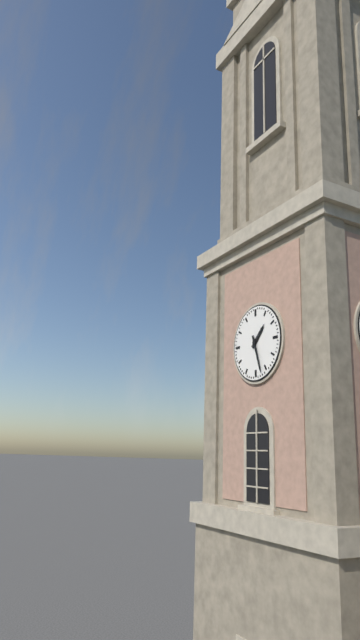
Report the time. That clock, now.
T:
1:27
